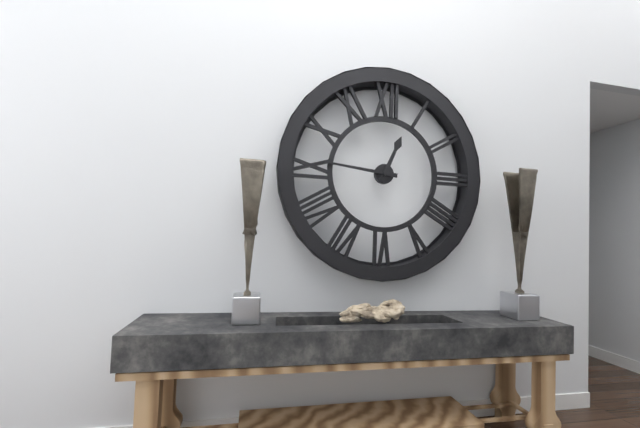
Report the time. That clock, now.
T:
12:46
